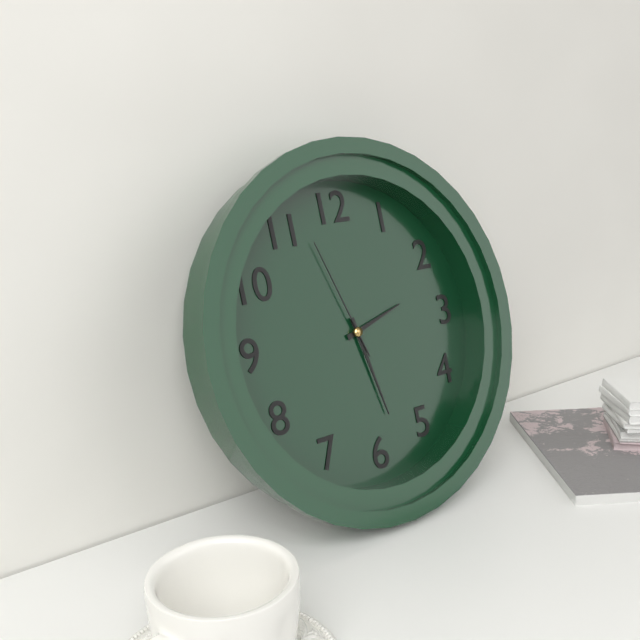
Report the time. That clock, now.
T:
2:28:57
